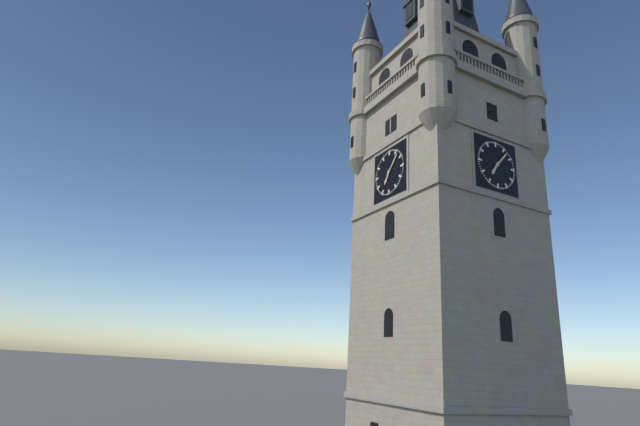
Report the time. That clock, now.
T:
7:07
